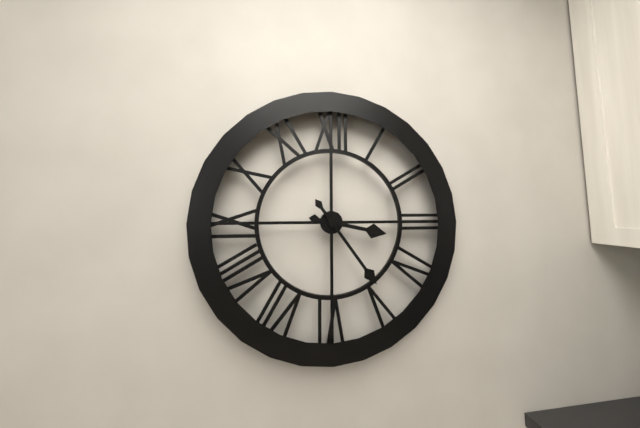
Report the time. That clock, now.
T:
3:24
